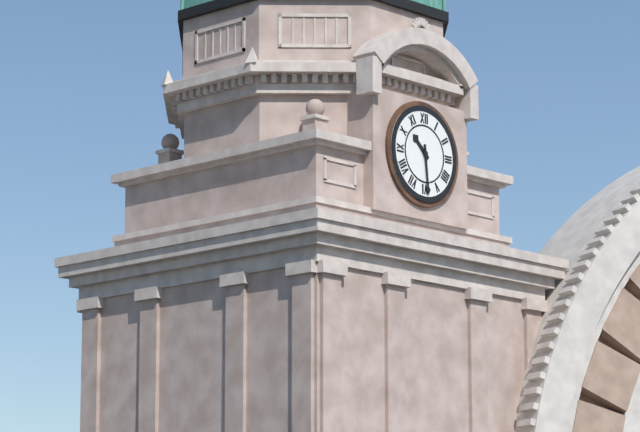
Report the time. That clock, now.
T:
10:29
